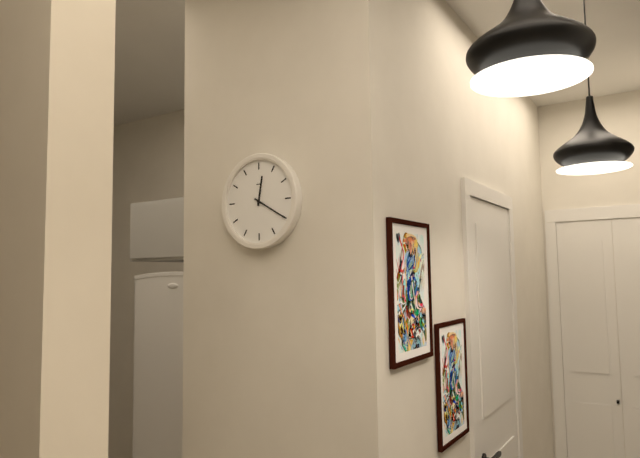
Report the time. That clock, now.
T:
12:20
